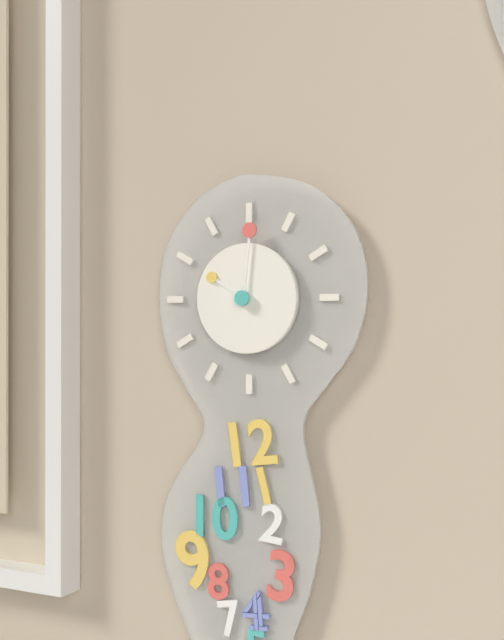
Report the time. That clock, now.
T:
10:01
